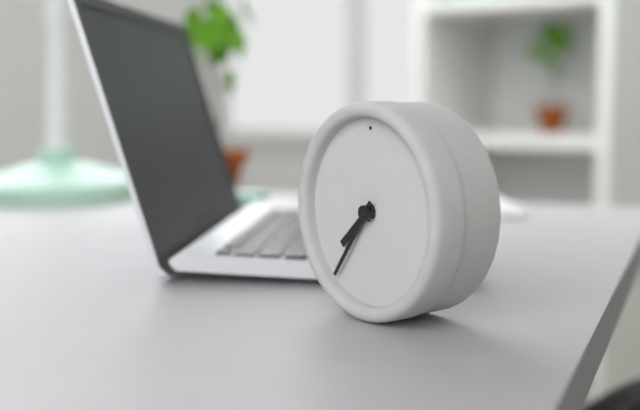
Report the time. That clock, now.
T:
7:36
